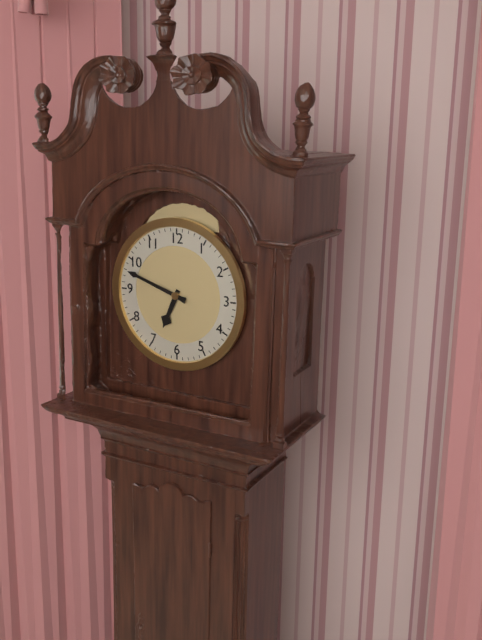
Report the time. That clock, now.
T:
6:48
